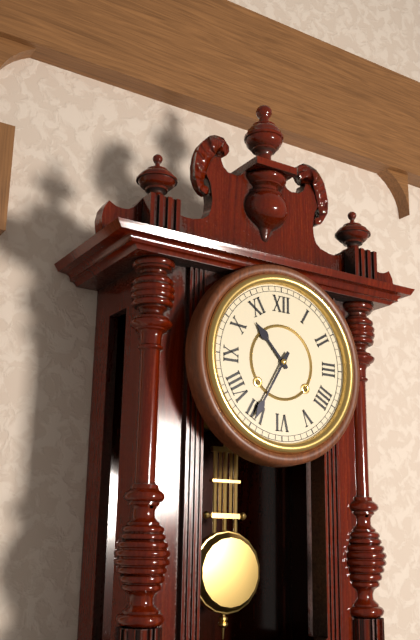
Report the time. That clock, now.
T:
10:35
